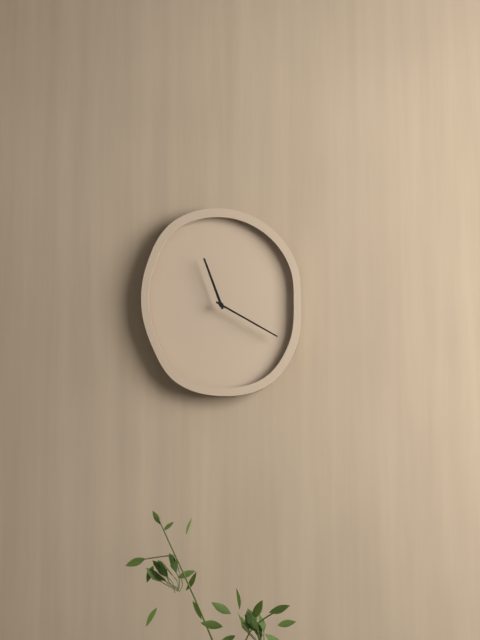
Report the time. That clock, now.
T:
11:20
